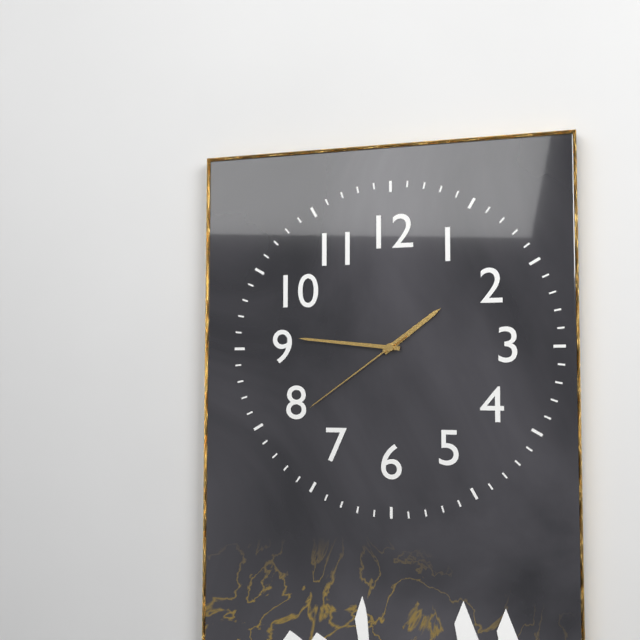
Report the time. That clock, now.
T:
1:46:39
